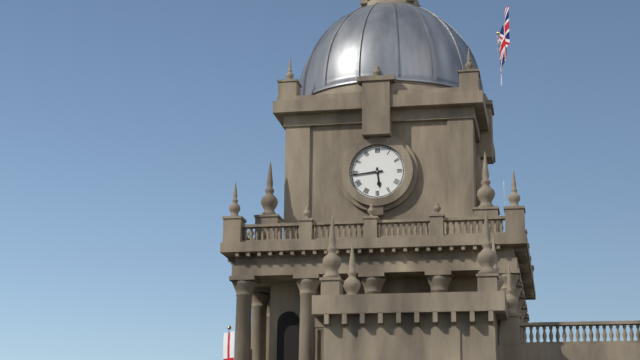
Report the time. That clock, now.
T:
5:44
